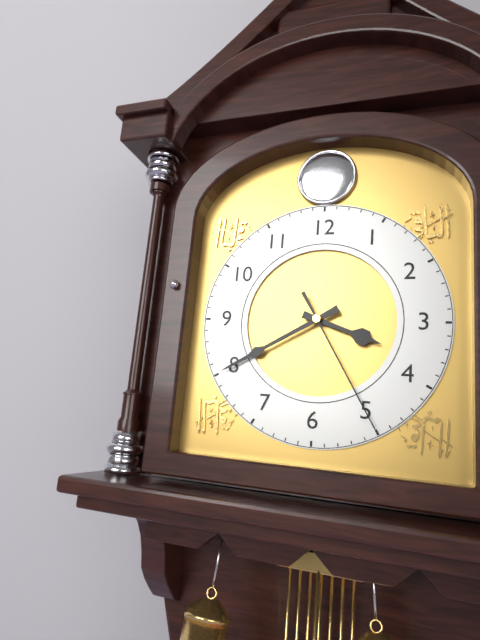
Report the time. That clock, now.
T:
3:40:25
